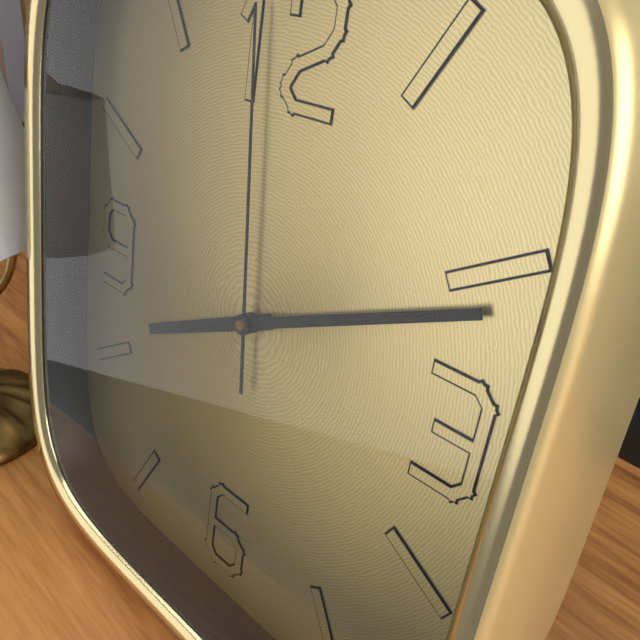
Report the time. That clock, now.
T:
8:11:59
